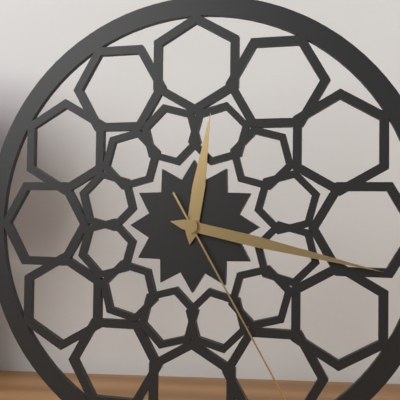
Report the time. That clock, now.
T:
12:17
